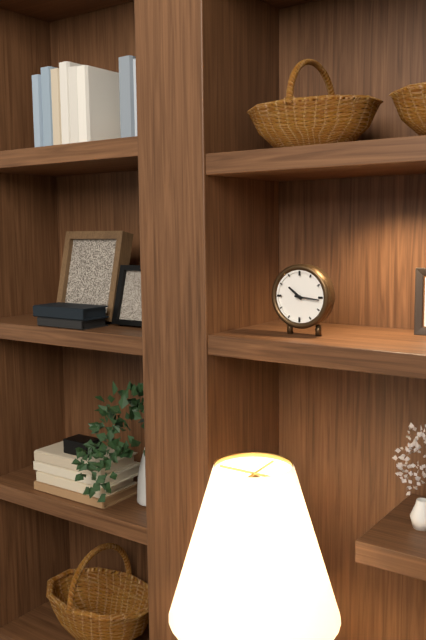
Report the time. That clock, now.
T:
10:16
